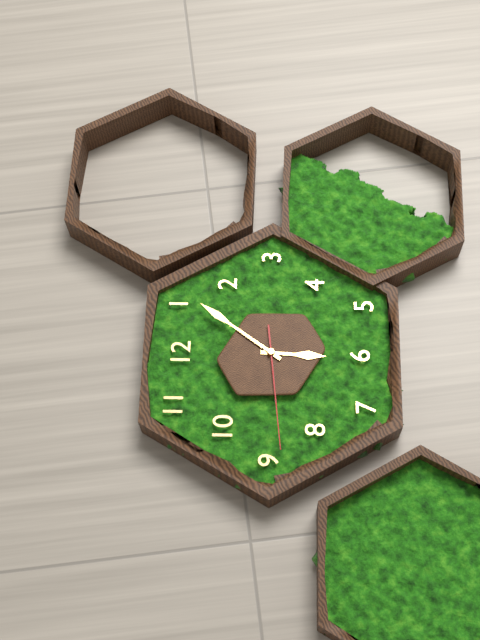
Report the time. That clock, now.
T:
6:06:44
